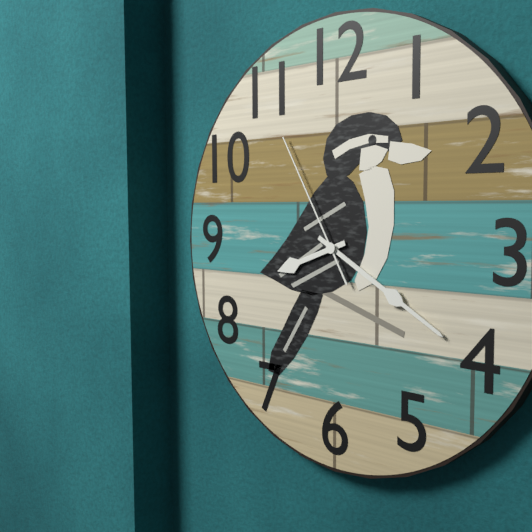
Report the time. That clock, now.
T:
8:20:55
